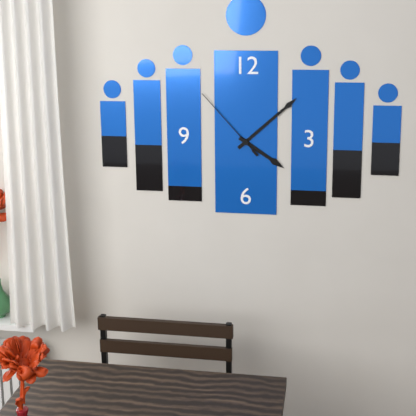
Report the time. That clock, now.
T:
4:08:53
